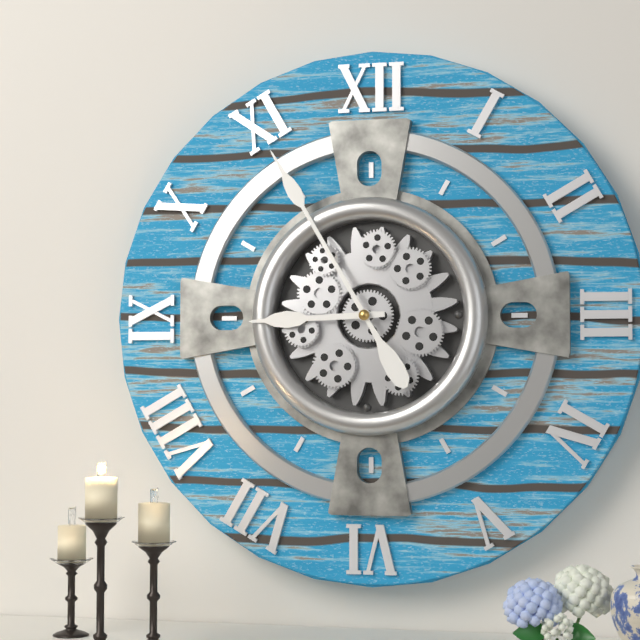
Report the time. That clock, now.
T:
8:55
